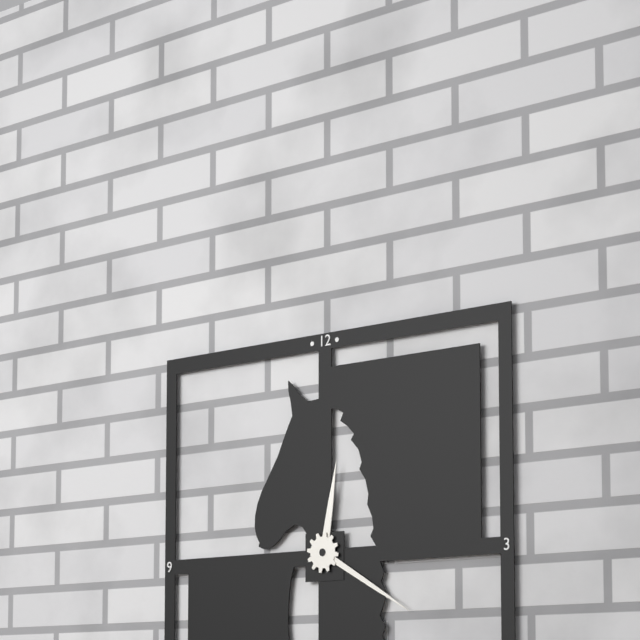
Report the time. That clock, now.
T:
12:20
